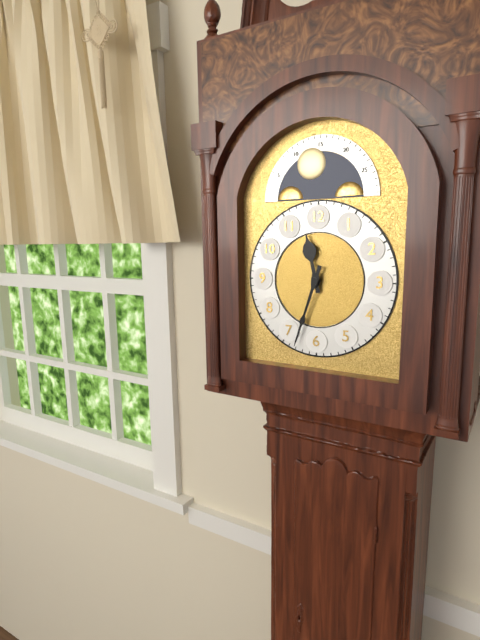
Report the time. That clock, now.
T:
11:33
